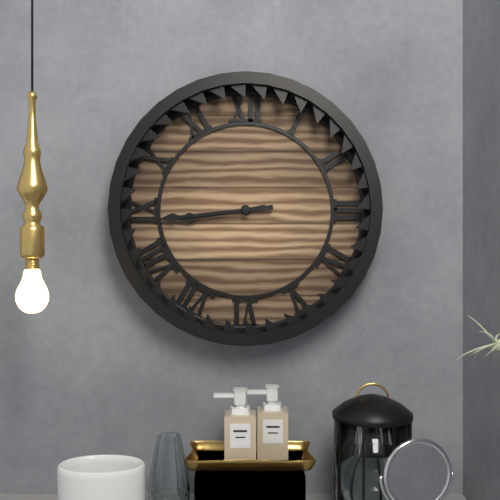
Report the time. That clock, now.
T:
8:44
